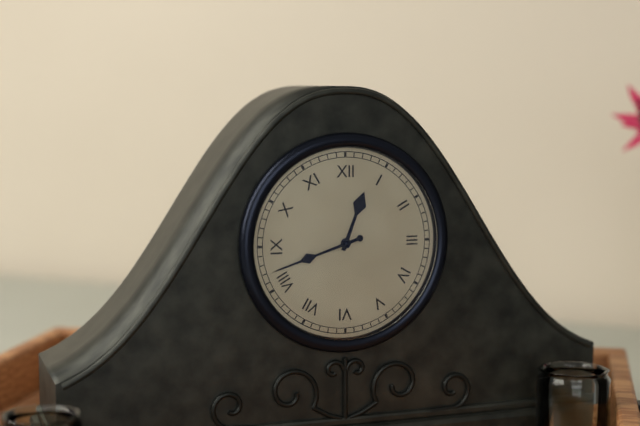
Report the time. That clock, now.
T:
12:42
